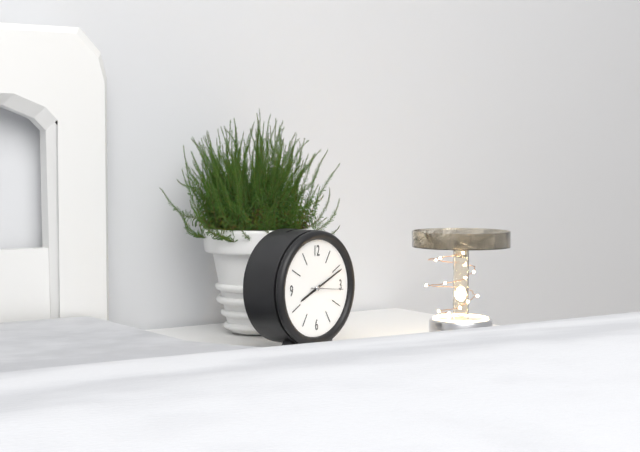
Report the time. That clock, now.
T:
8:11
